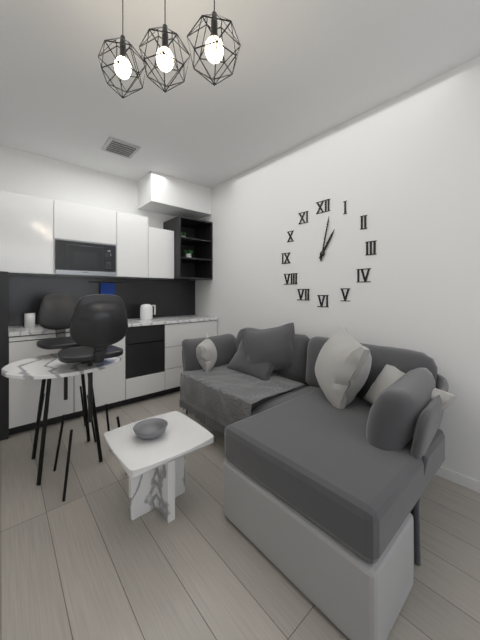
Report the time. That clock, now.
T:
1:02
